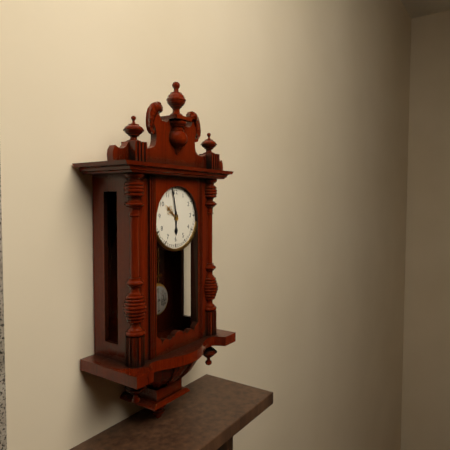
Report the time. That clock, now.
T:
5:58
